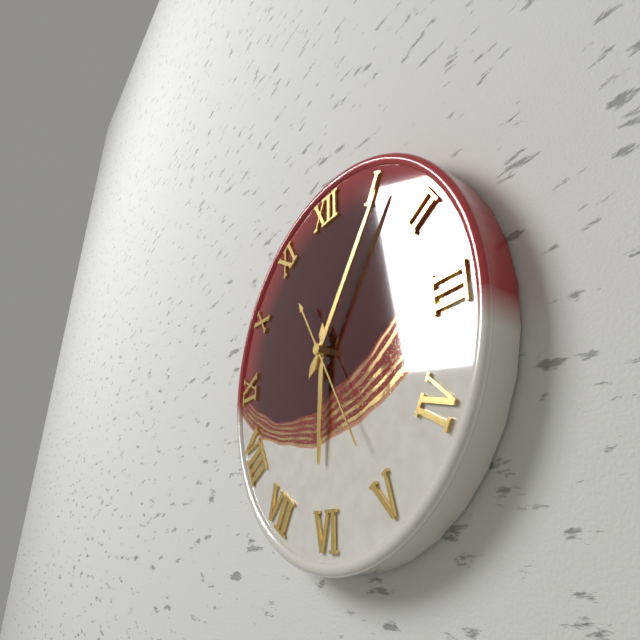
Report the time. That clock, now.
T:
6:06:25
